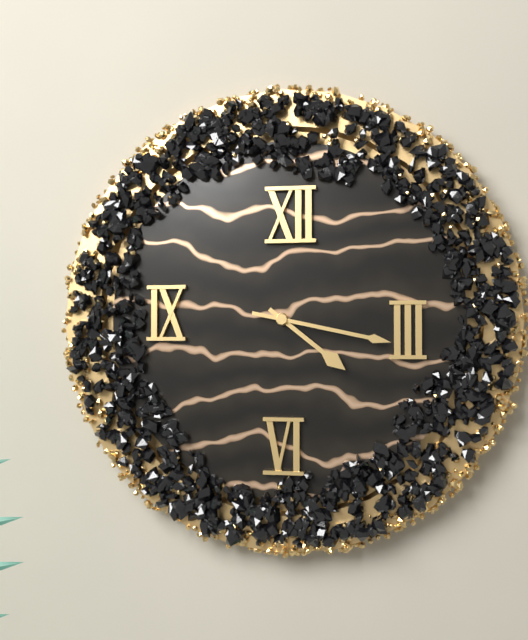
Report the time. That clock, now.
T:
4:17
